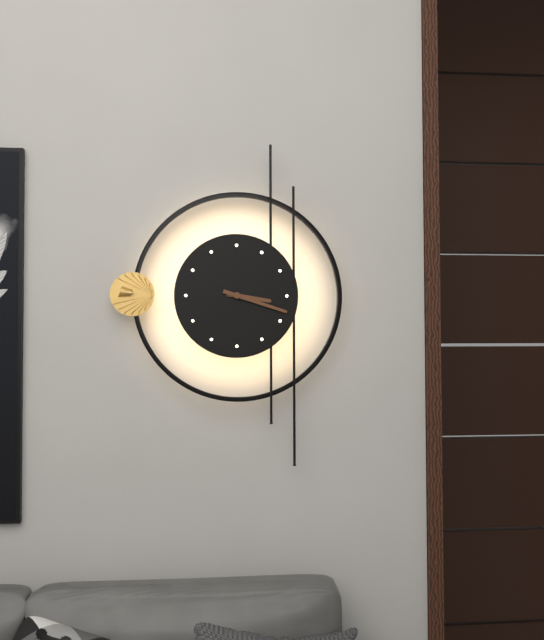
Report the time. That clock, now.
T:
3:18
